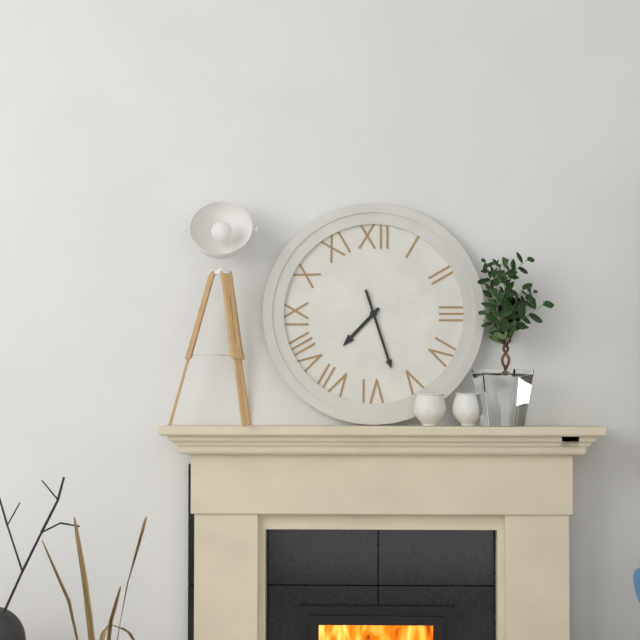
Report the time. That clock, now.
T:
7:27
